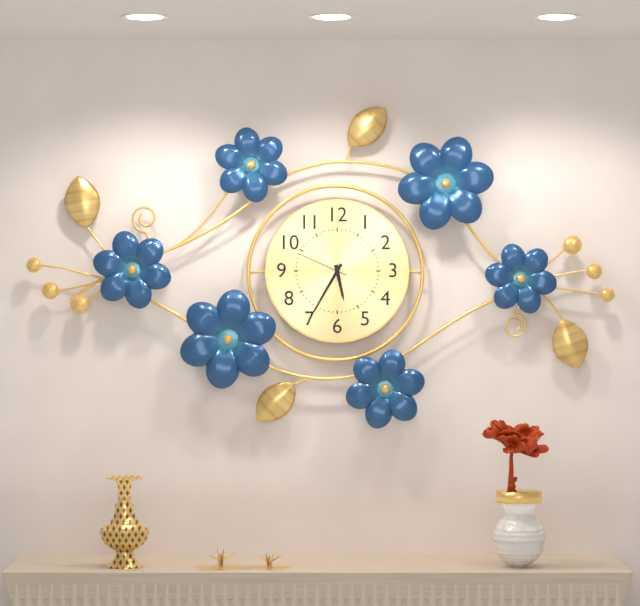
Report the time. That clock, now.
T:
5:35:49
